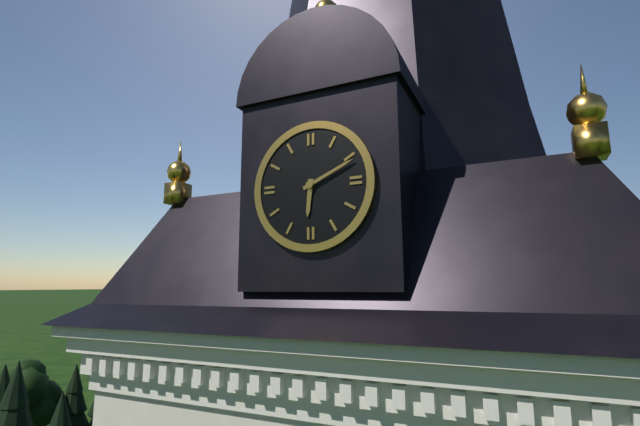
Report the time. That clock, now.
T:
6:11
